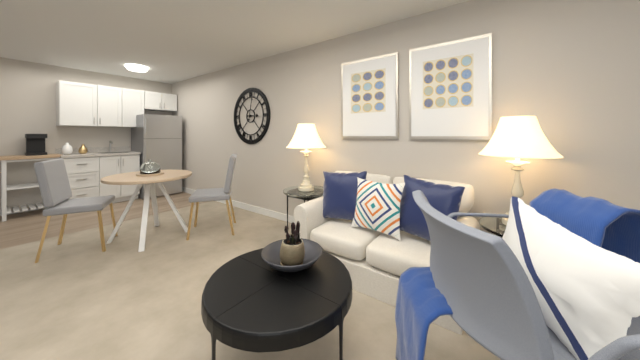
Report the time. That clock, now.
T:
3:02
